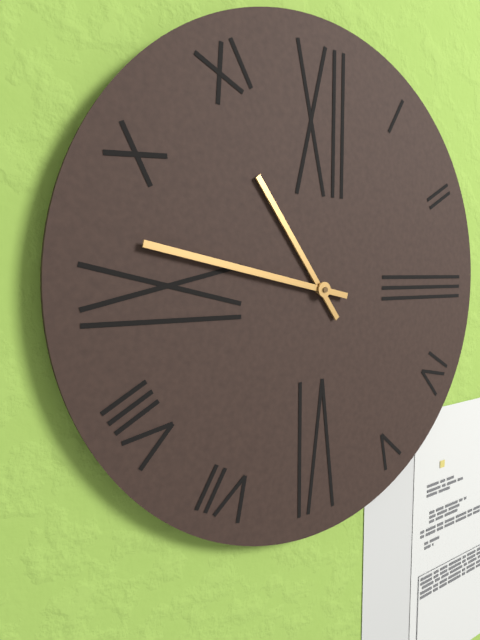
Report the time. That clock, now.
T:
10:47
